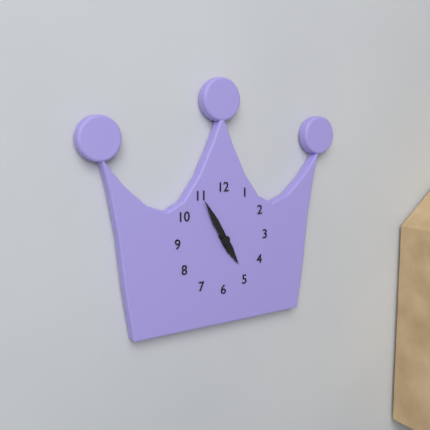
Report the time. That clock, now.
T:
4:55
